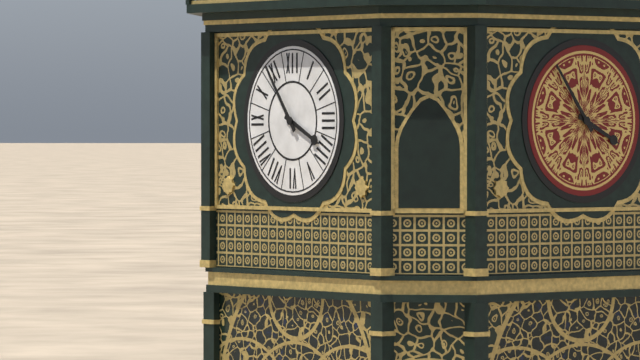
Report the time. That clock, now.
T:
3:54
